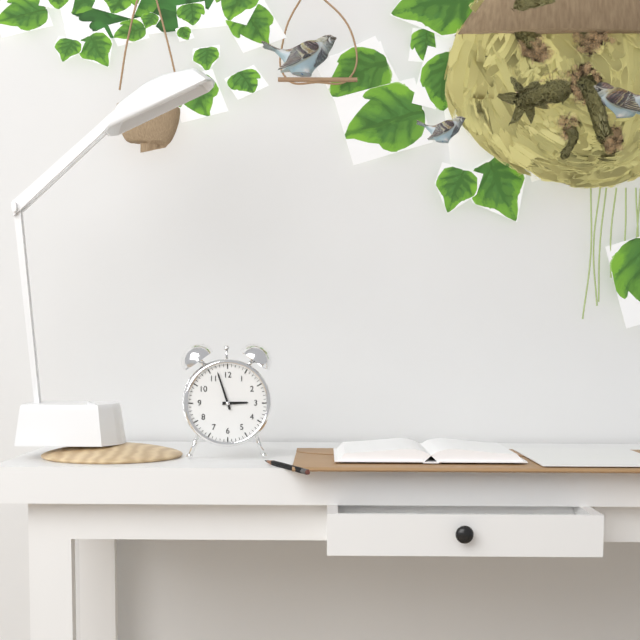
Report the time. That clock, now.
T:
2:57
